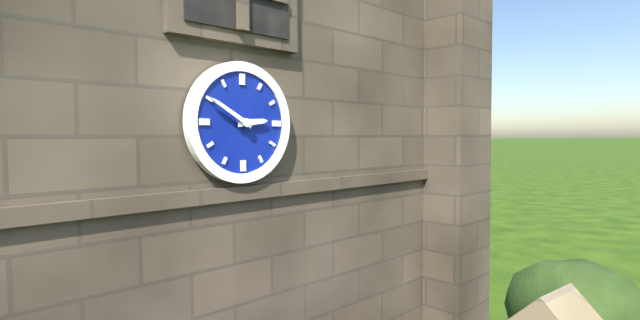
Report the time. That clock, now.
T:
2:50
